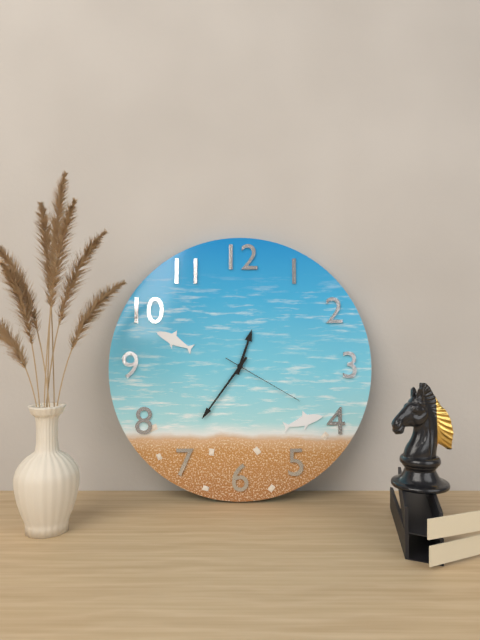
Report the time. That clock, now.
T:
12:36:20
